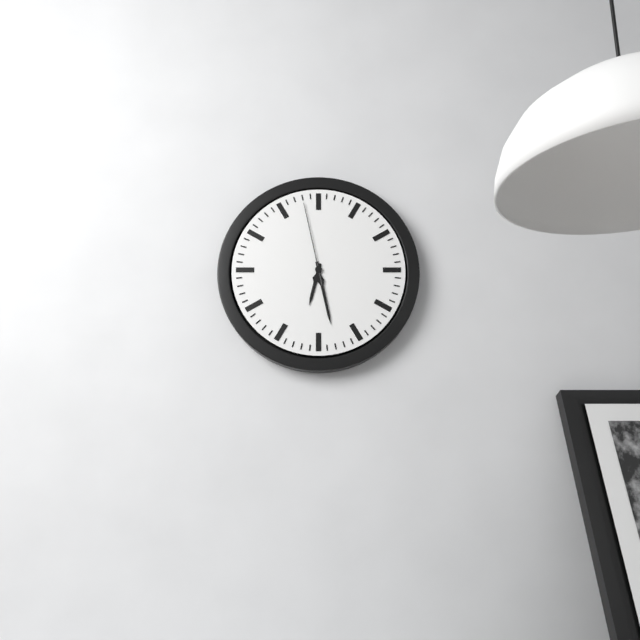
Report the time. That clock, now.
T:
6:28:58
